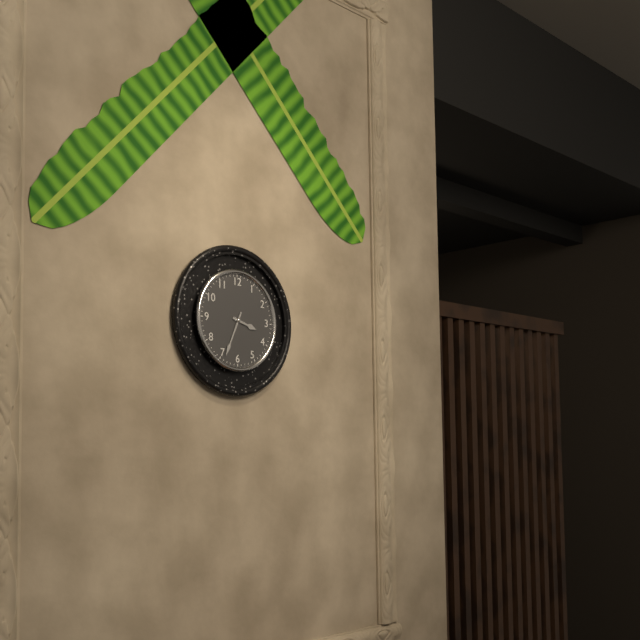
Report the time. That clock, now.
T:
3:34
